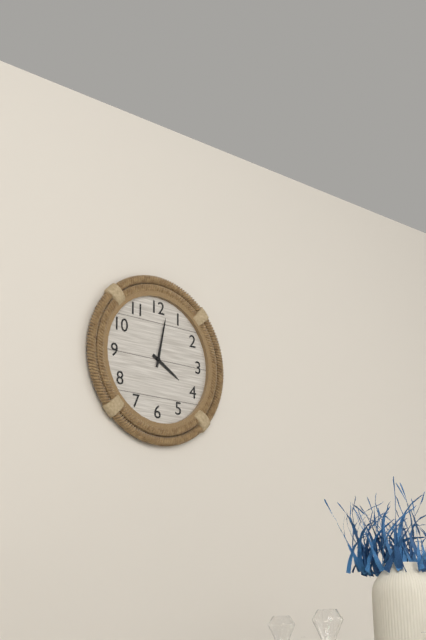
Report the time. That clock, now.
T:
4:02
